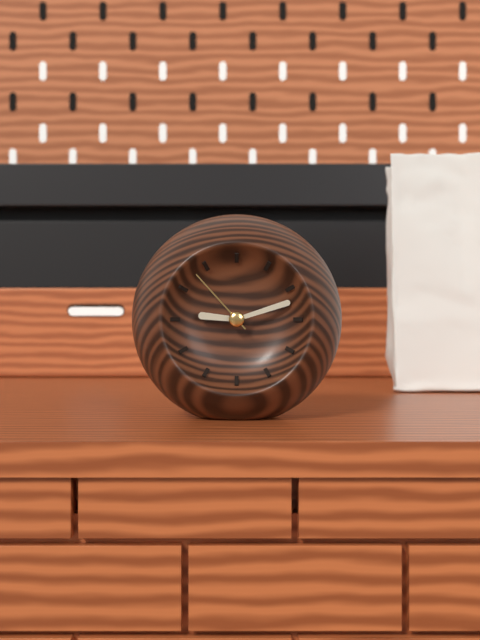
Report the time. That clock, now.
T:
9:12:53
